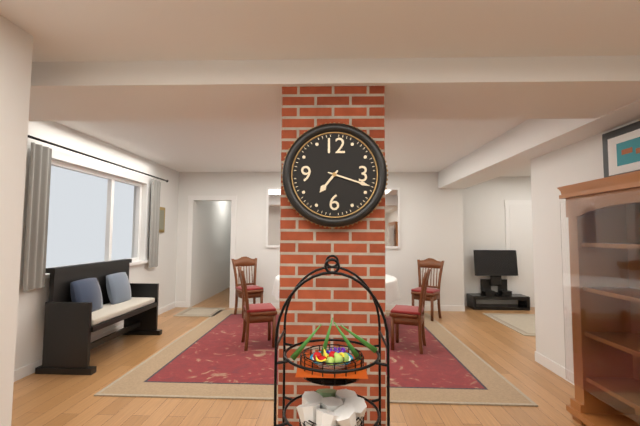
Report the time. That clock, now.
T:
7:18
